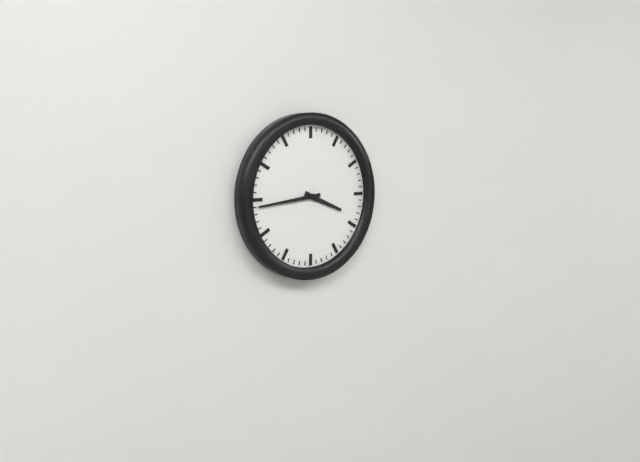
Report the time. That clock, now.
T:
3:44
